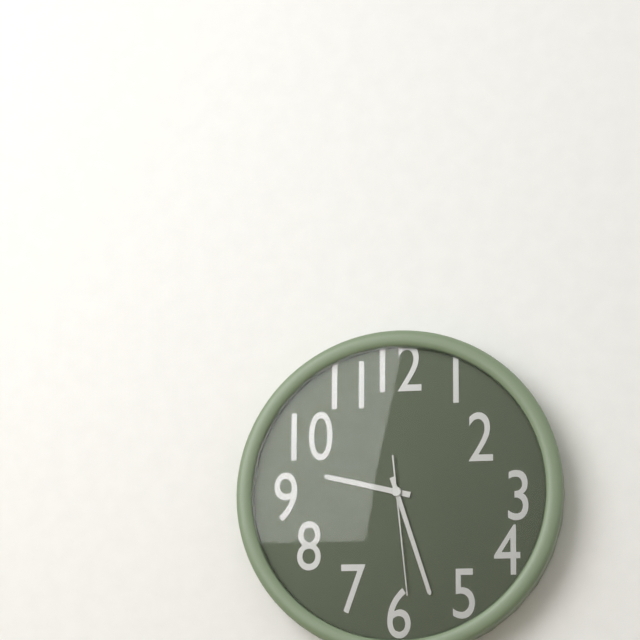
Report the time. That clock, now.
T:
9:27:29
